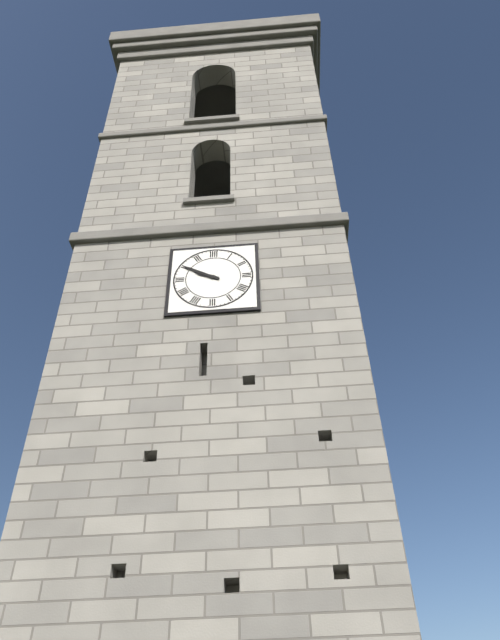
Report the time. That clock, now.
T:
9:50
